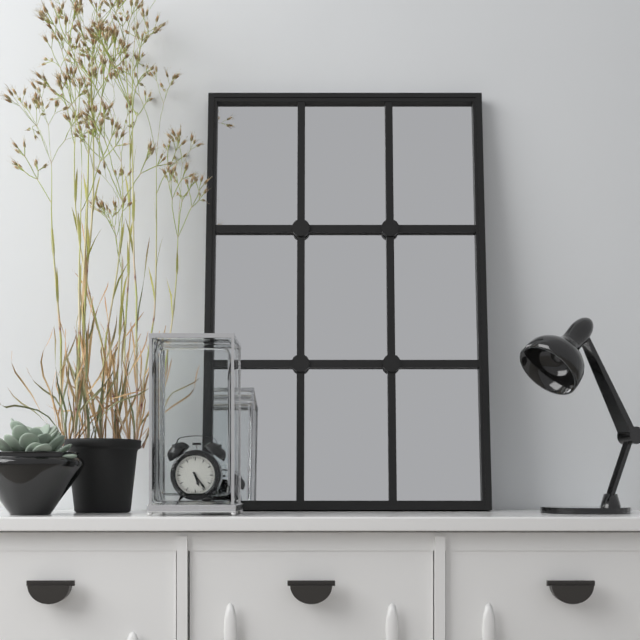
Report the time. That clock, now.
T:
5:24
